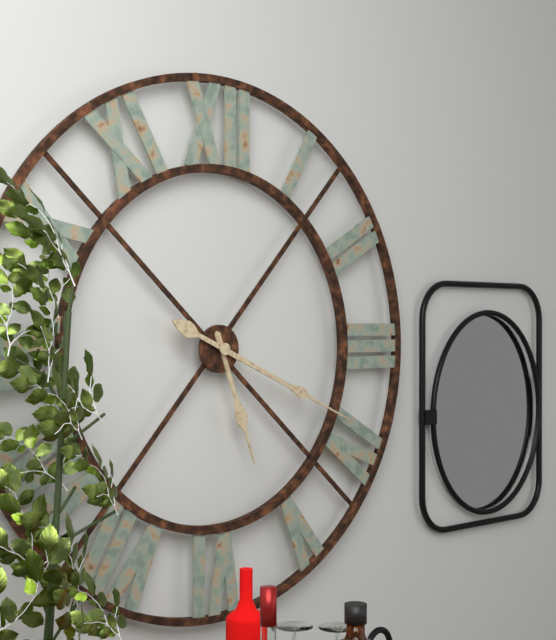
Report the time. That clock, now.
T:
5:19
